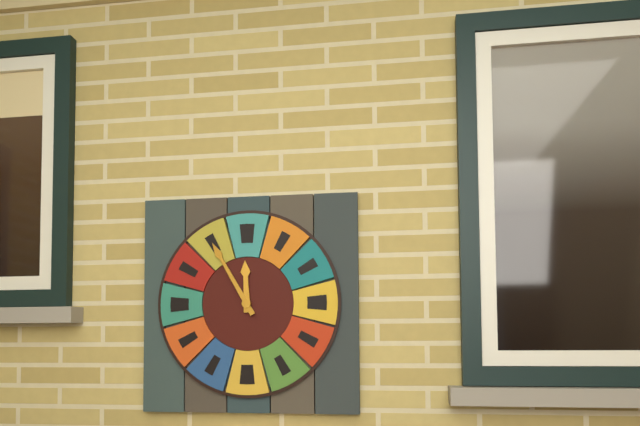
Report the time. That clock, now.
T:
11:55
